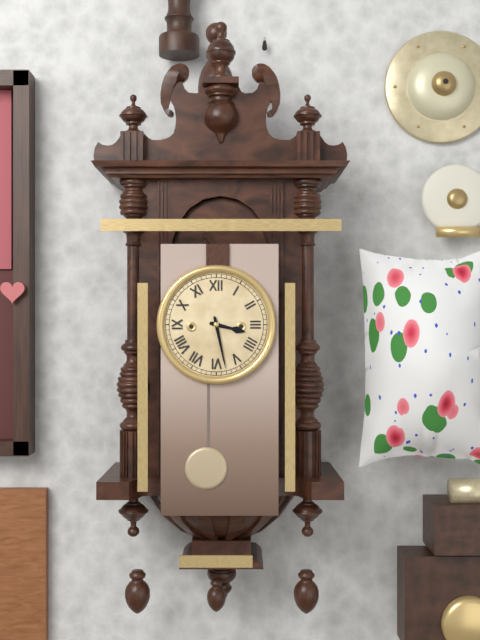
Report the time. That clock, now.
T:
3:28
